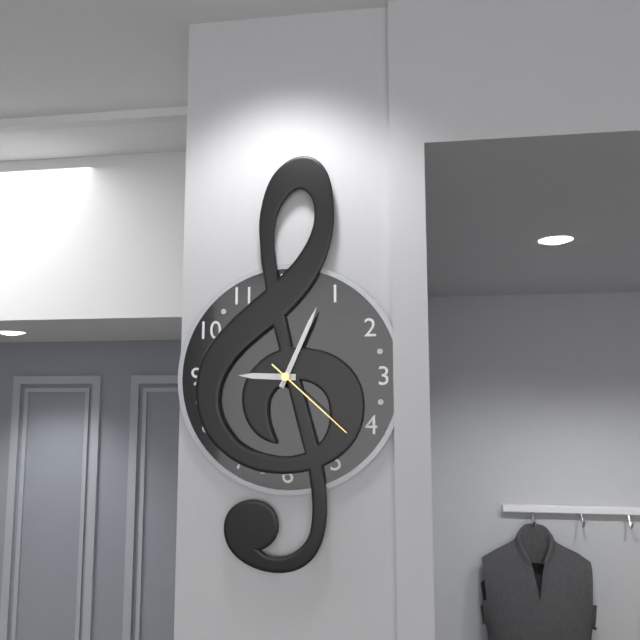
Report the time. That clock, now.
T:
9:04:22
